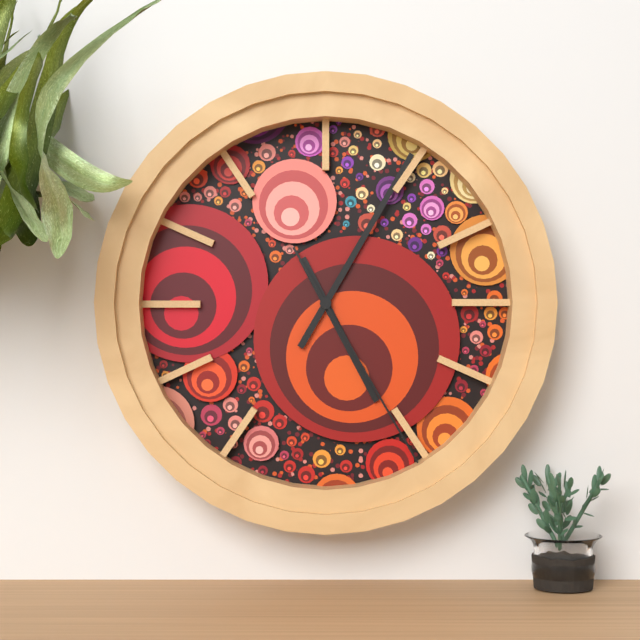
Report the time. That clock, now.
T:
5:05:25
